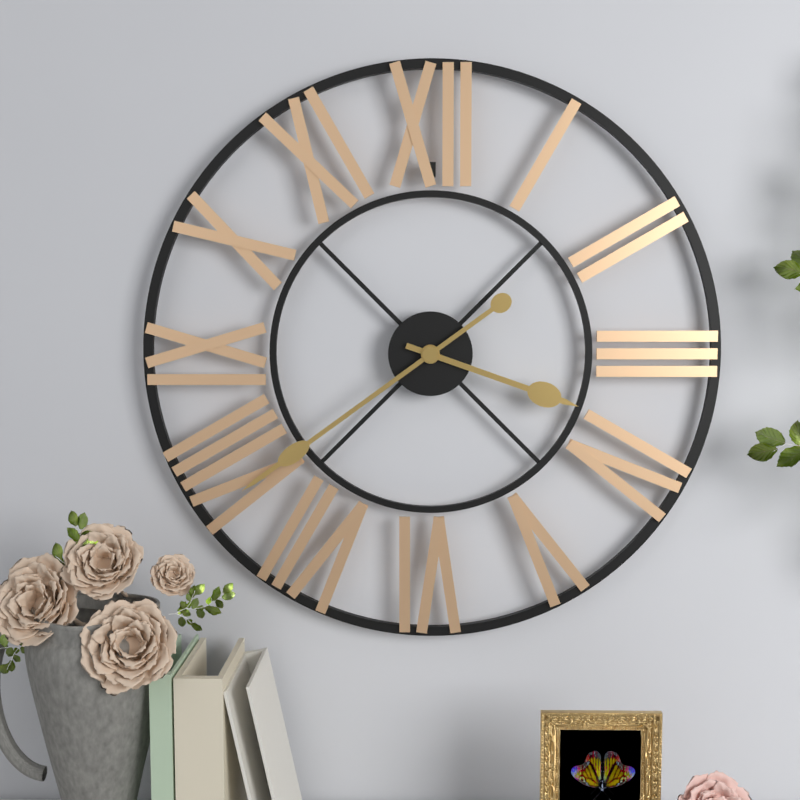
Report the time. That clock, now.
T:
3:39
